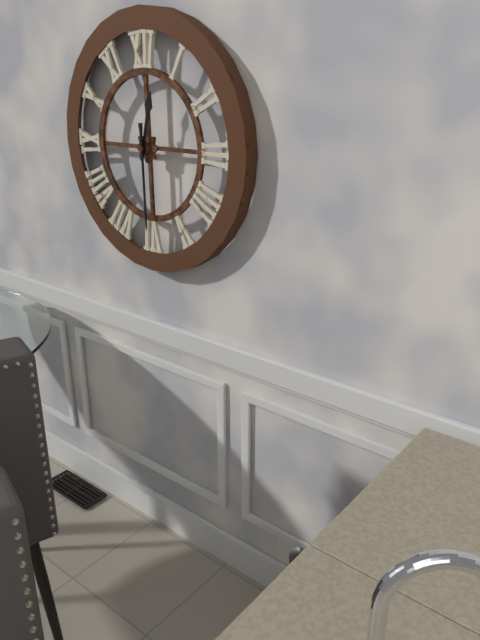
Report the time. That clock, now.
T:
12:30
